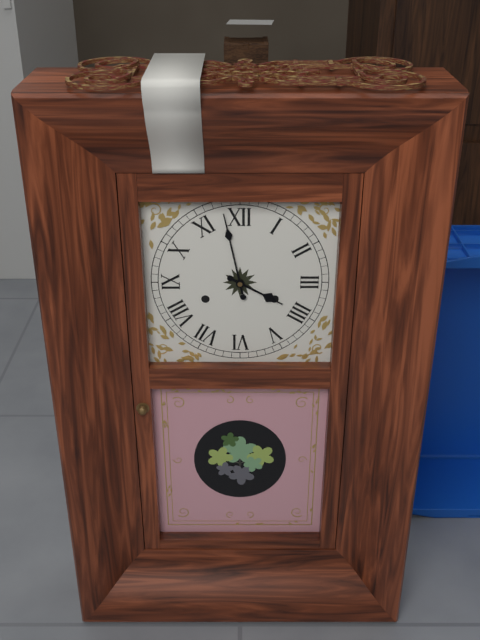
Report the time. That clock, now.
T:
3:58
